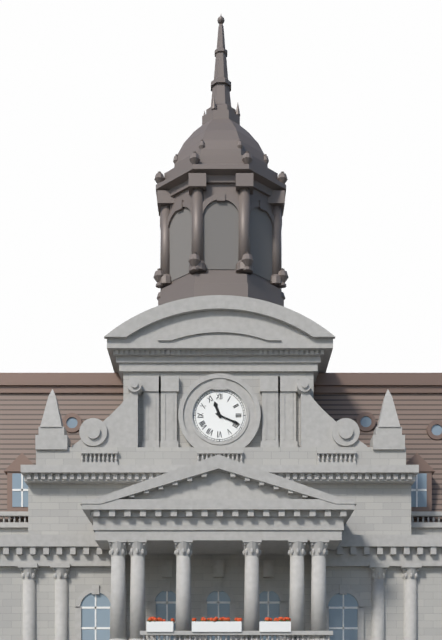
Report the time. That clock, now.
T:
11:19
